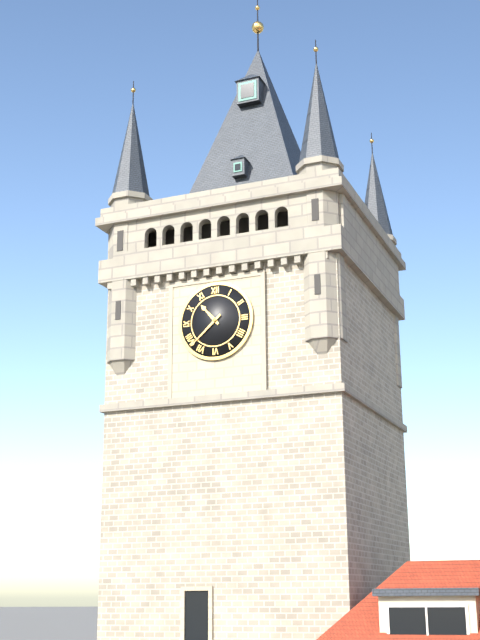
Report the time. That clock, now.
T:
10:38
